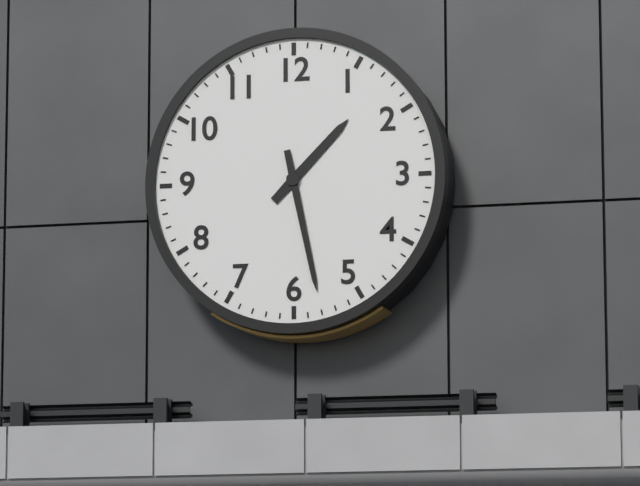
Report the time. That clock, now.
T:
1:28
